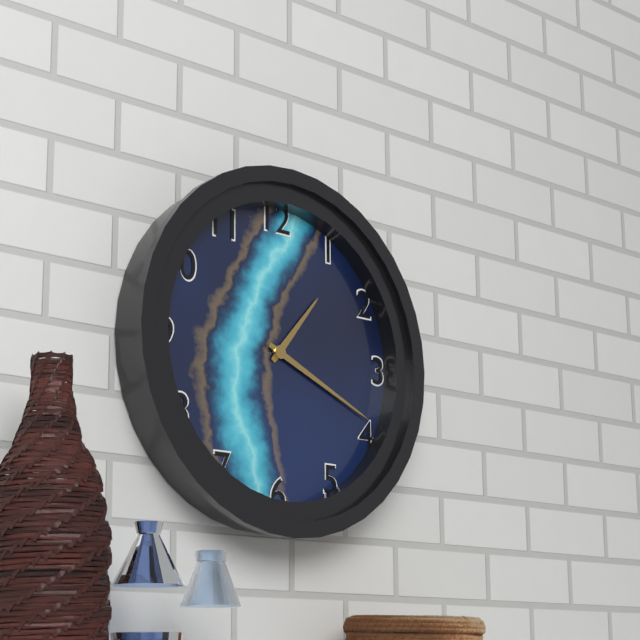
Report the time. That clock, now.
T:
1:19
